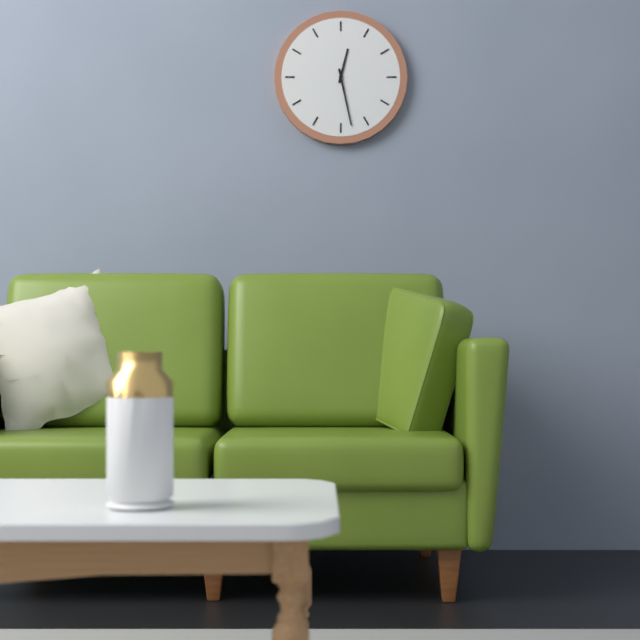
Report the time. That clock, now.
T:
12:28
